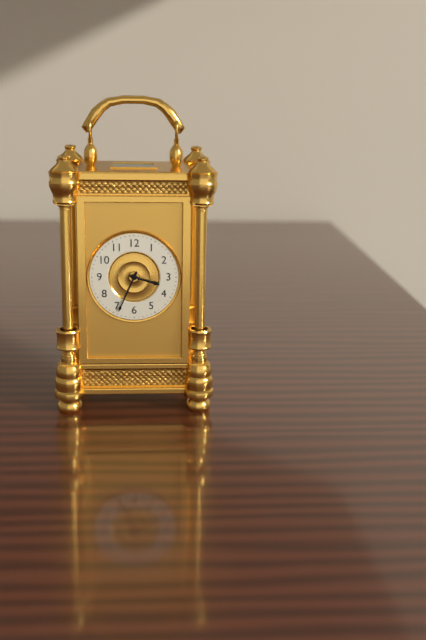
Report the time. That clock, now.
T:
3:34
